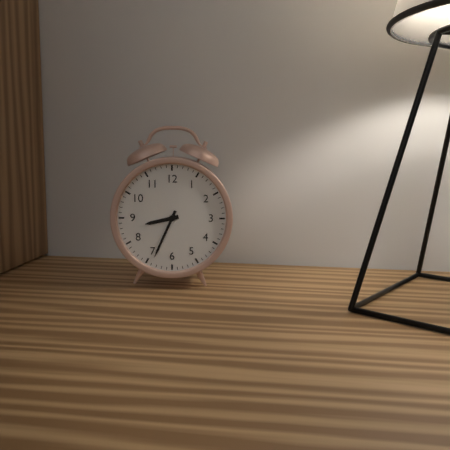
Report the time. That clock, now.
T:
8:34
